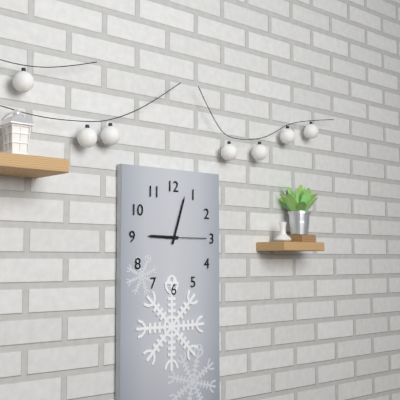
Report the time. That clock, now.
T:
9:03
